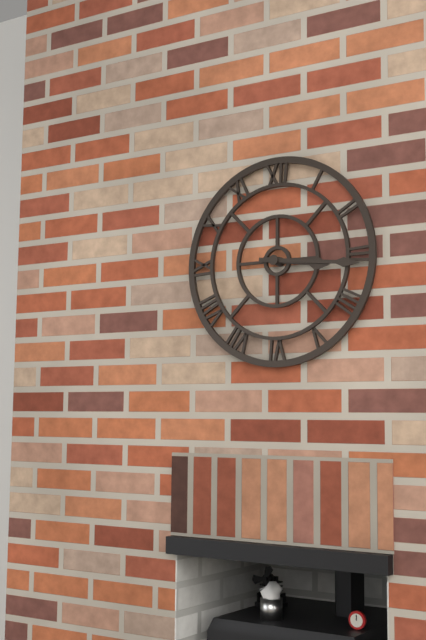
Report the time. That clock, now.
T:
3:16
